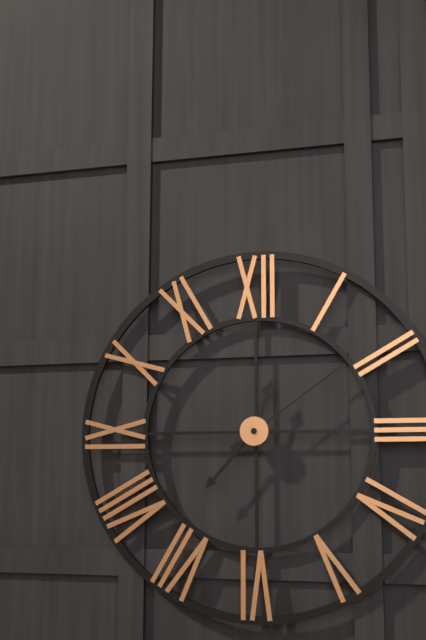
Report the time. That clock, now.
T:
12:37:09
